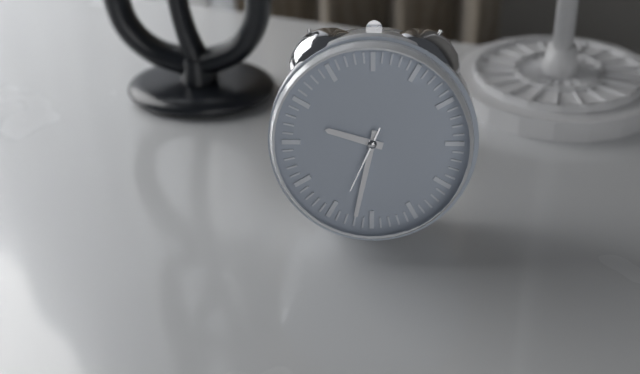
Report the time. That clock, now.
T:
9:32:34
